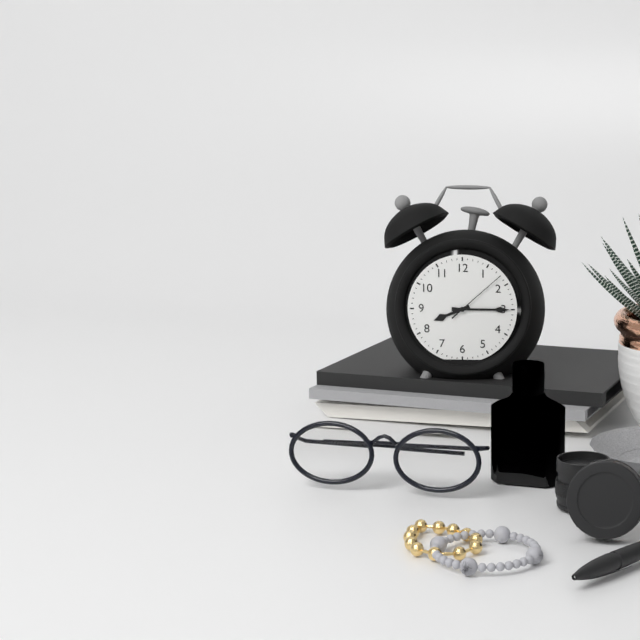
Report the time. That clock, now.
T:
8:15:08
